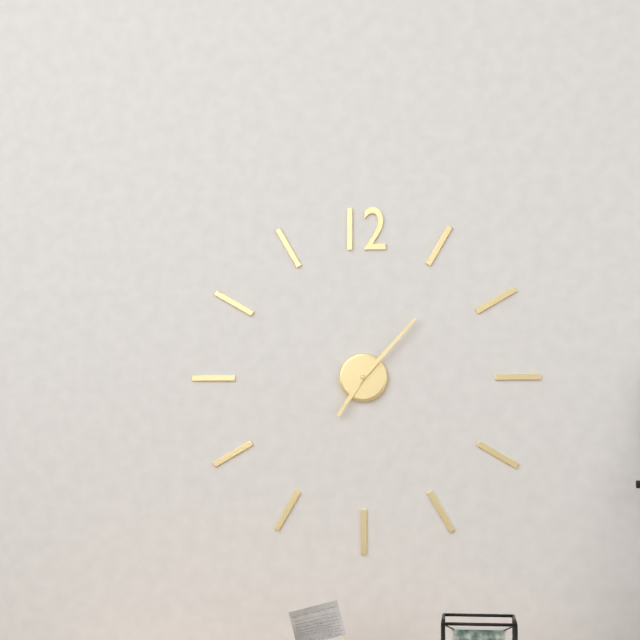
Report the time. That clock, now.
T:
7:07
